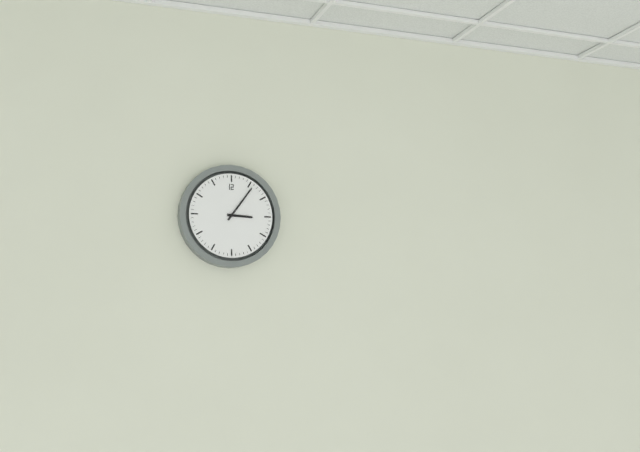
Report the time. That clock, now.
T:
3:06
